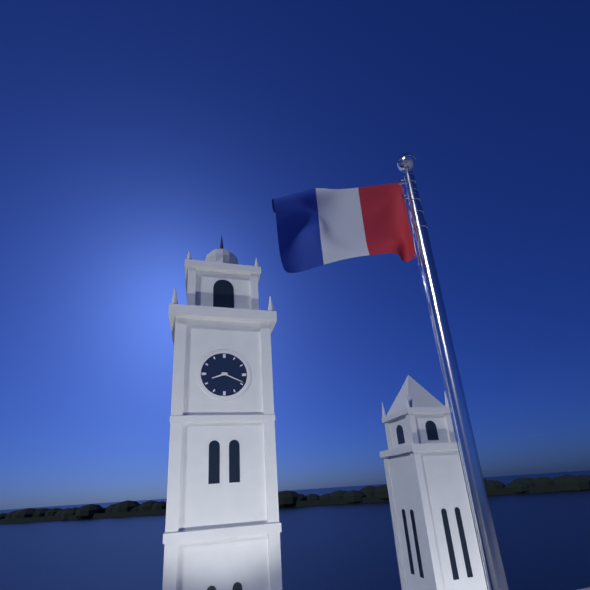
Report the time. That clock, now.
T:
8:19
